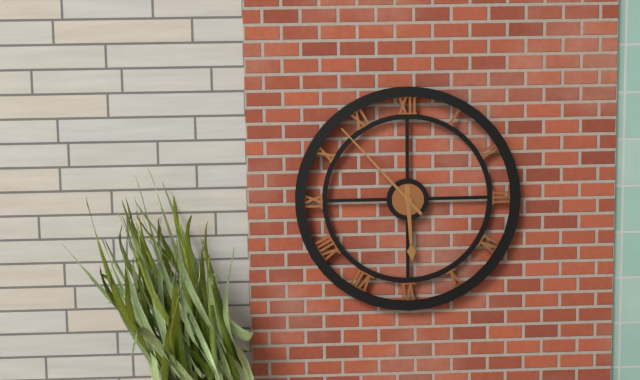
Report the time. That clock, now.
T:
5:53
